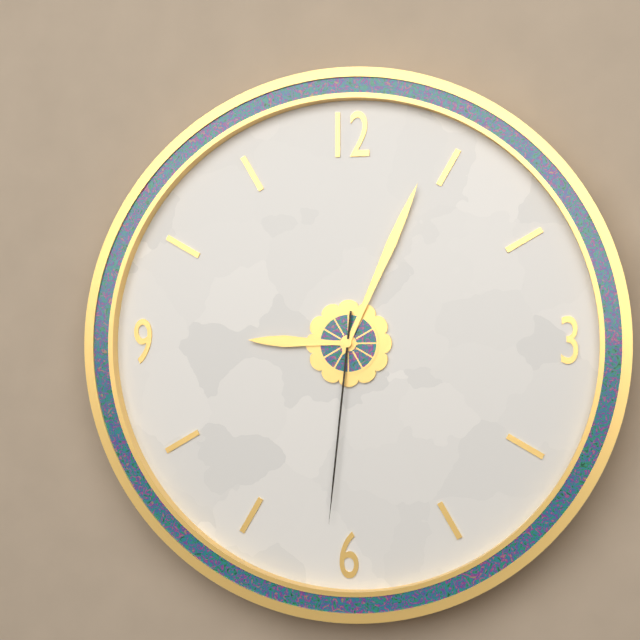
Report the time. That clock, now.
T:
9:04:31
